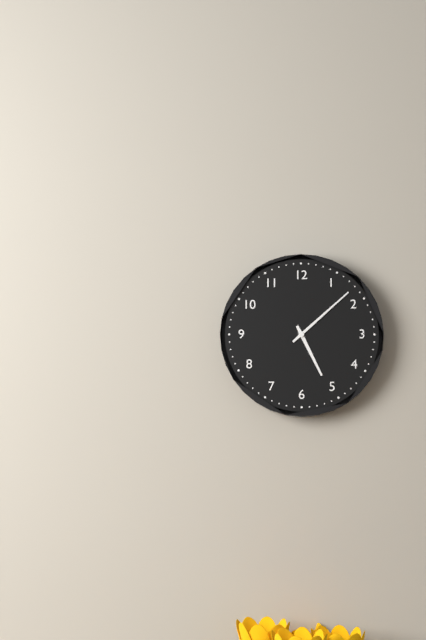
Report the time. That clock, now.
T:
5:08
